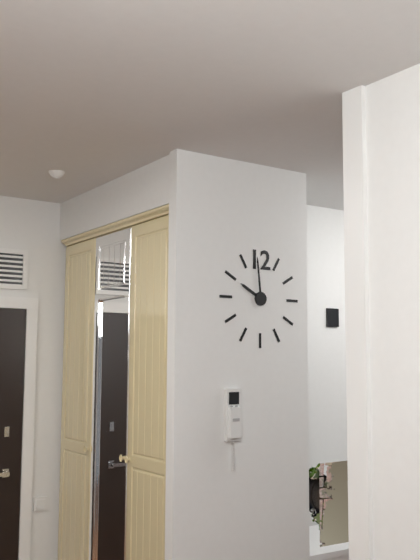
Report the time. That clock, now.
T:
9:59
